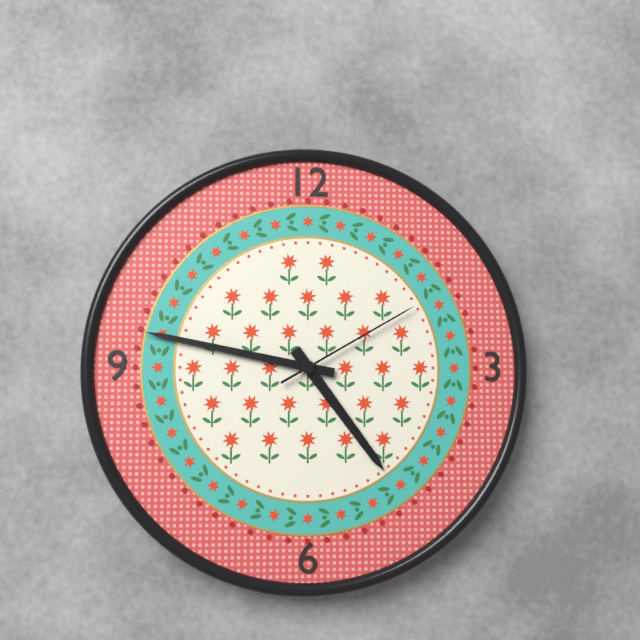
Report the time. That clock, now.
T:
4:47:10
